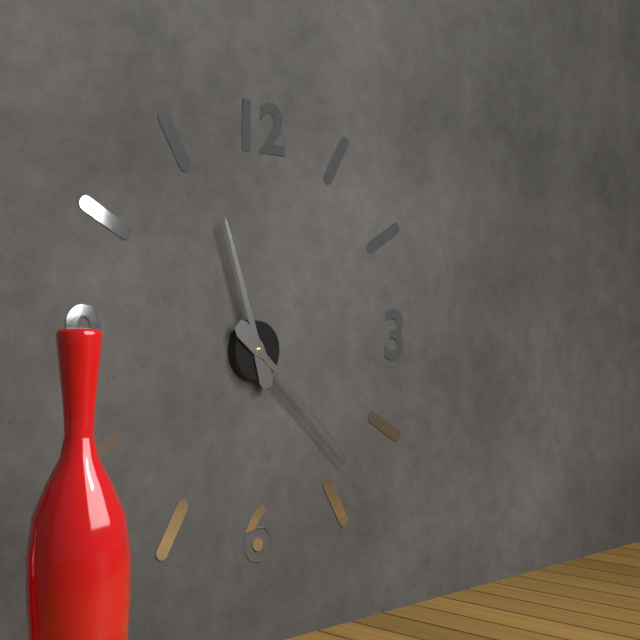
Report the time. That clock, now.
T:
11:22
